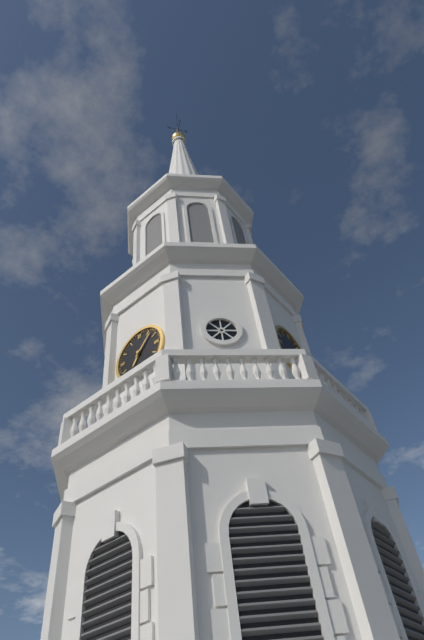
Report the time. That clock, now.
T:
7:07
